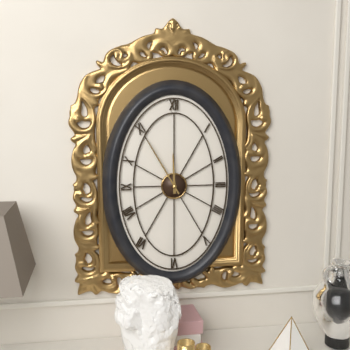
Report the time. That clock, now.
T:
11:55
